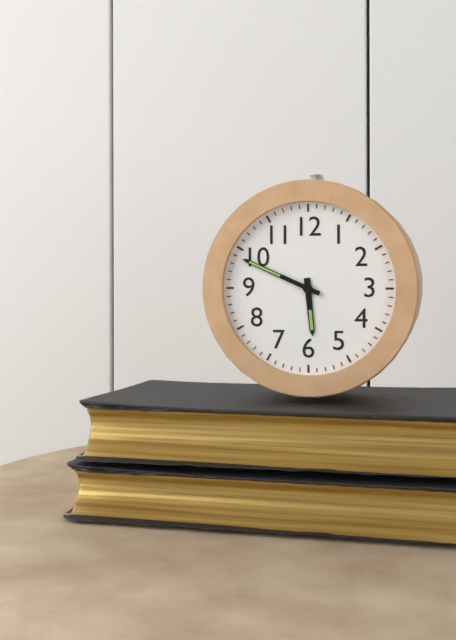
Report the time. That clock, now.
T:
5:49
